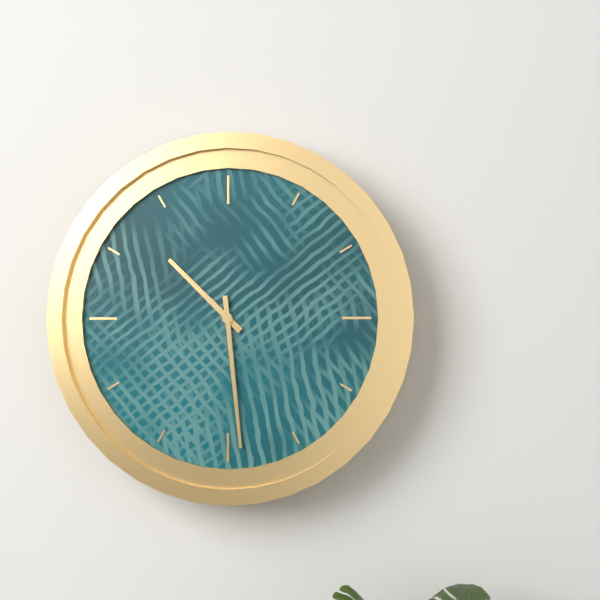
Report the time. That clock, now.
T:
10:29
